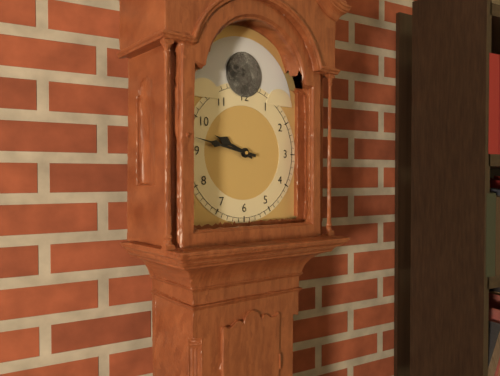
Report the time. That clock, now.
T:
9:47
